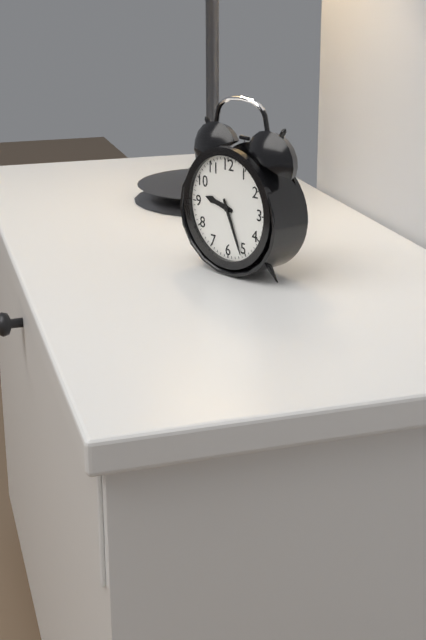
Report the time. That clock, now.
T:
9:26
